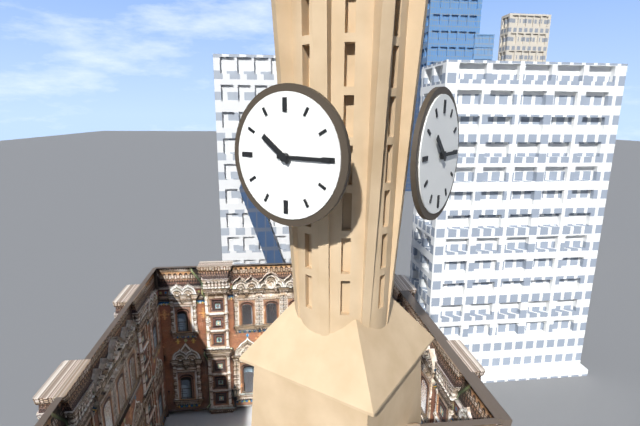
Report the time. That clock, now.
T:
10:15
